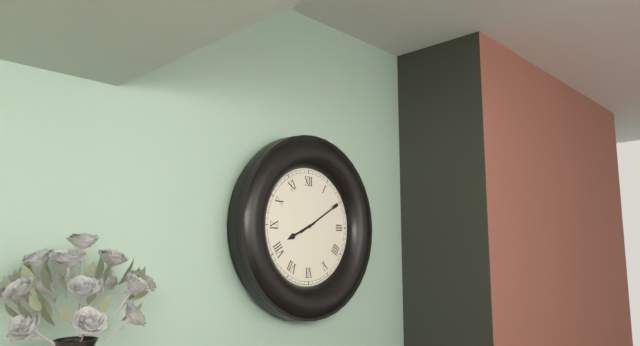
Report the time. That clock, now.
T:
8:10
